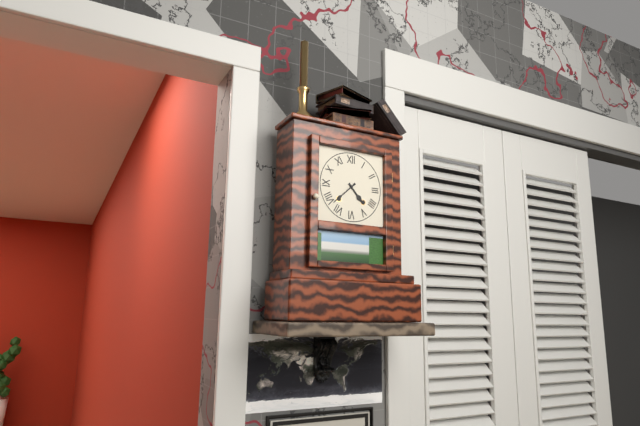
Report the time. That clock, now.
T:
4:38
